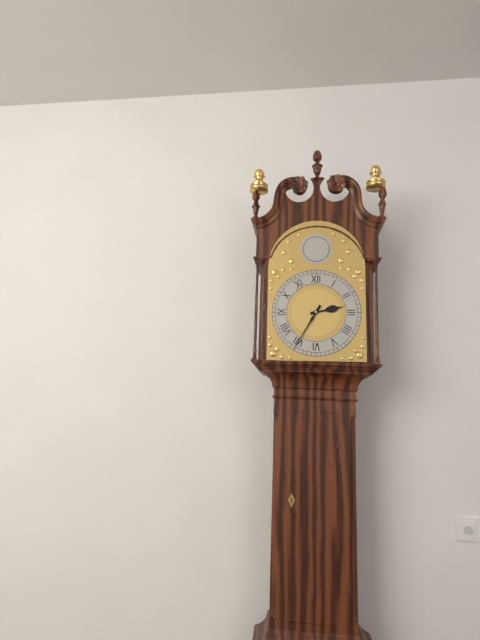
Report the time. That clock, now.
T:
2:35
